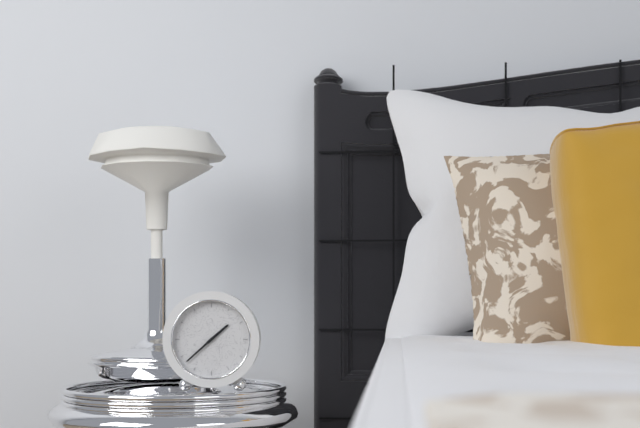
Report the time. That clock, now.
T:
1:38
